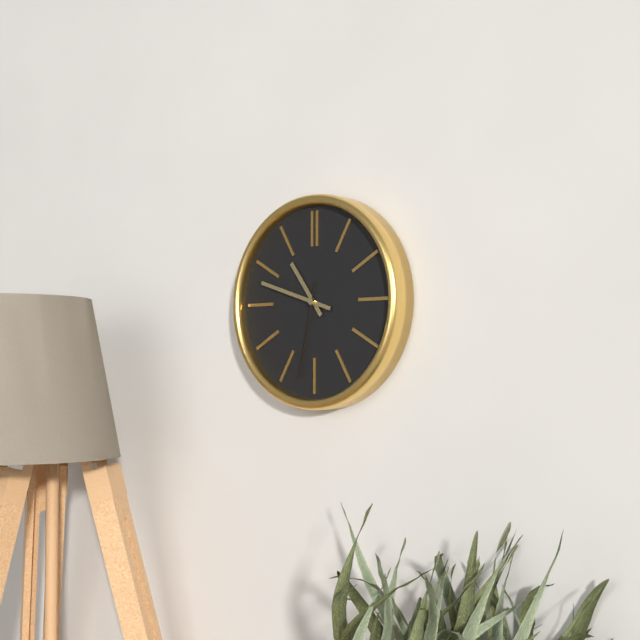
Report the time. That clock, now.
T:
10:48:32
